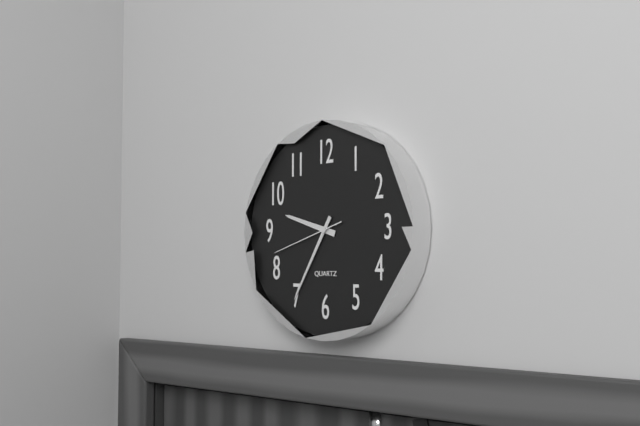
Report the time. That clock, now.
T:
9:35:42
